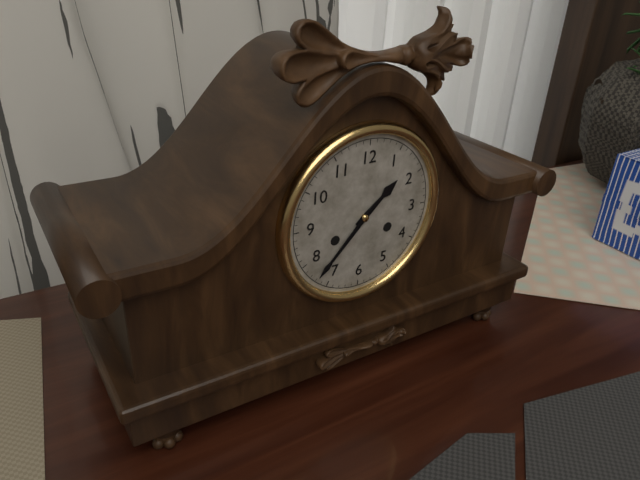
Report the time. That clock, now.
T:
1:37
